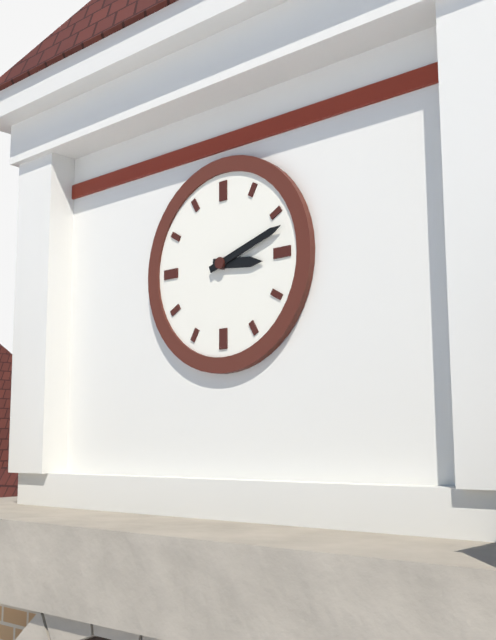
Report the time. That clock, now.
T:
3:12
